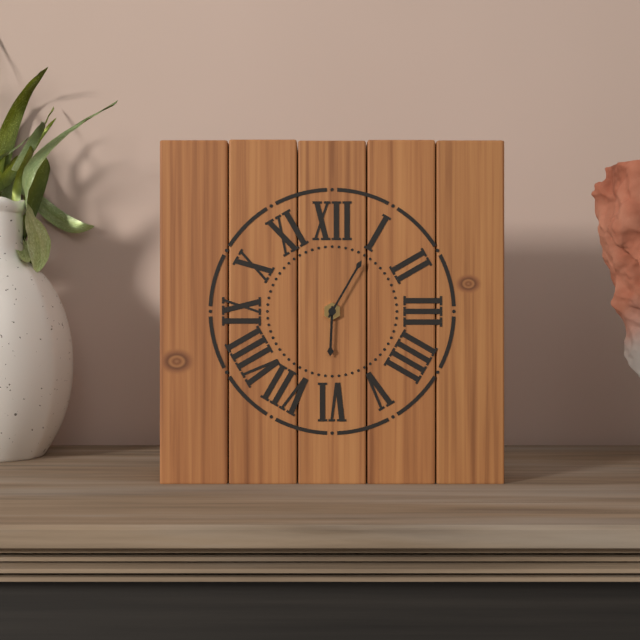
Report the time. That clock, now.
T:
6:05
